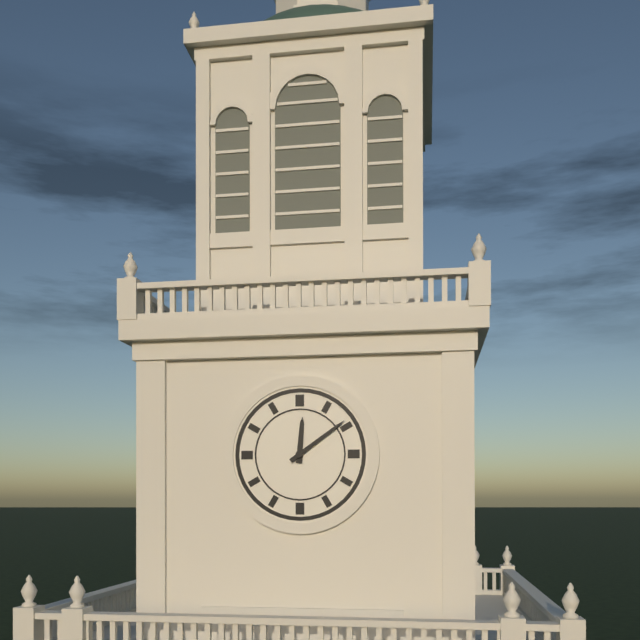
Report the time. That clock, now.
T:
12:09
